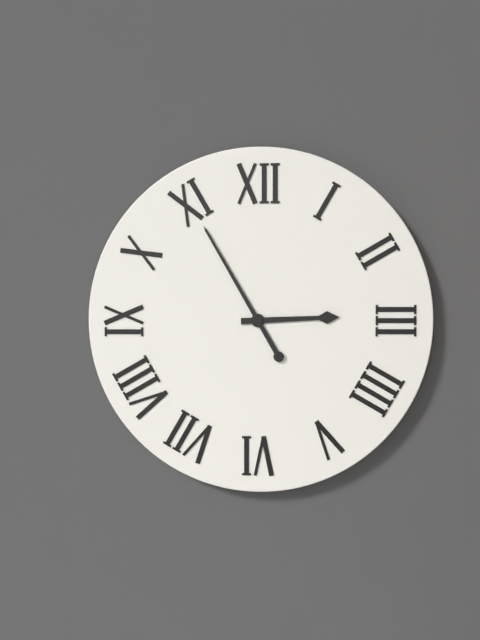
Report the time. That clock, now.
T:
2:55
